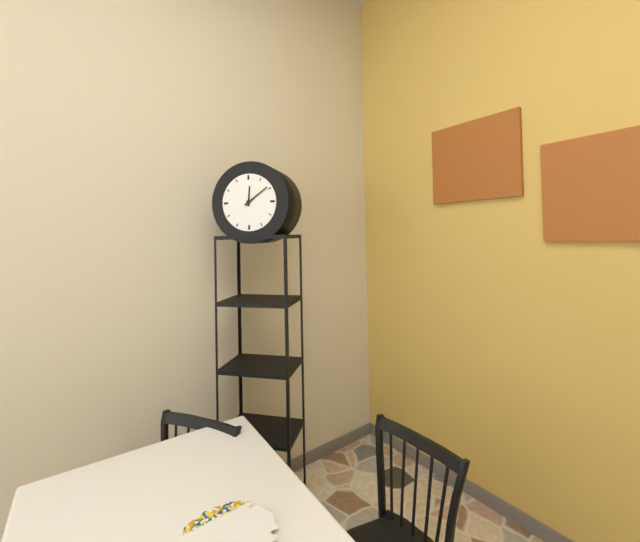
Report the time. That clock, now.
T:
12:09
